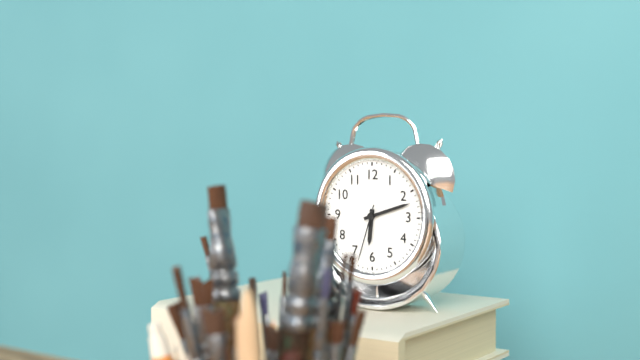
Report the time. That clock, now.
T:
6:12:33
